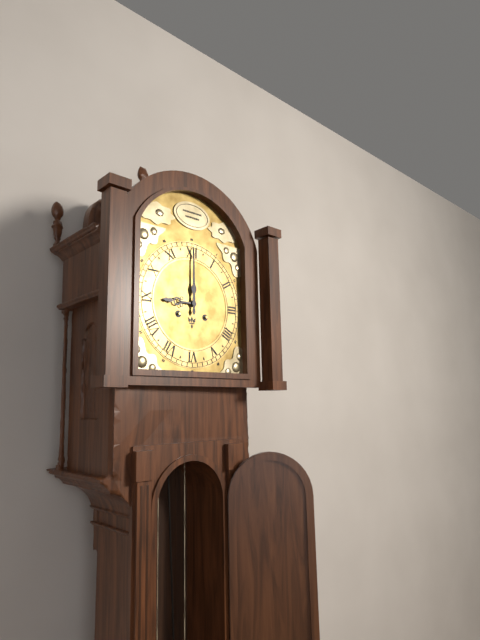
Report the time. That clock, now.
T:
9:00
